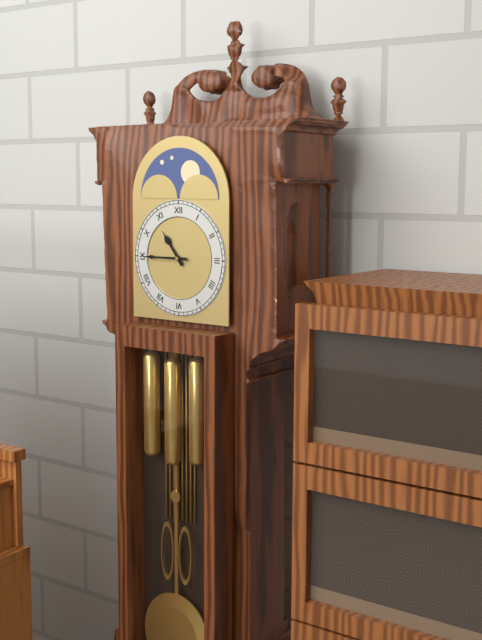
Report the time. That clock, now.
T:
10:45
